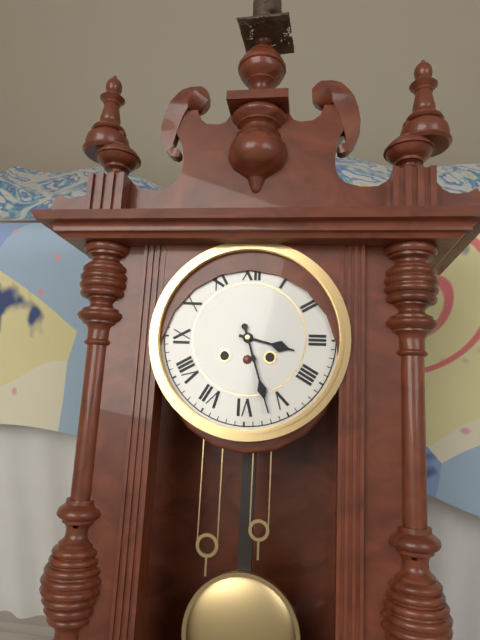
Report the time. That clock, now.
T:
3:27
